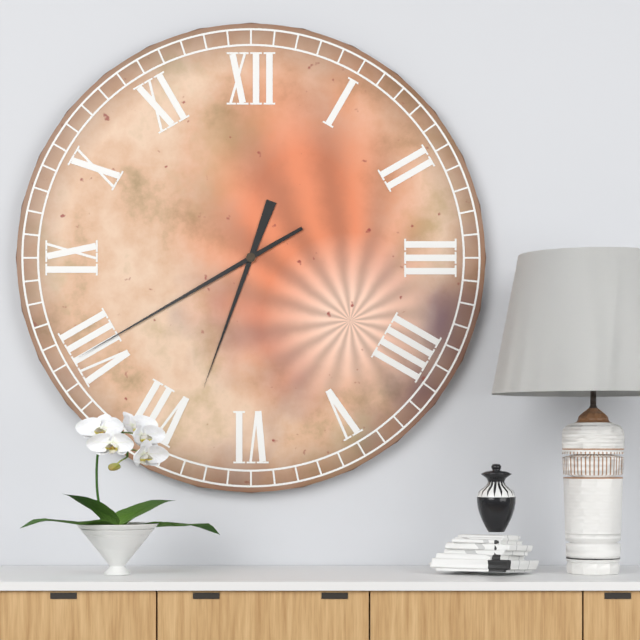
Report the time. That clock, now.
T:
6:40
